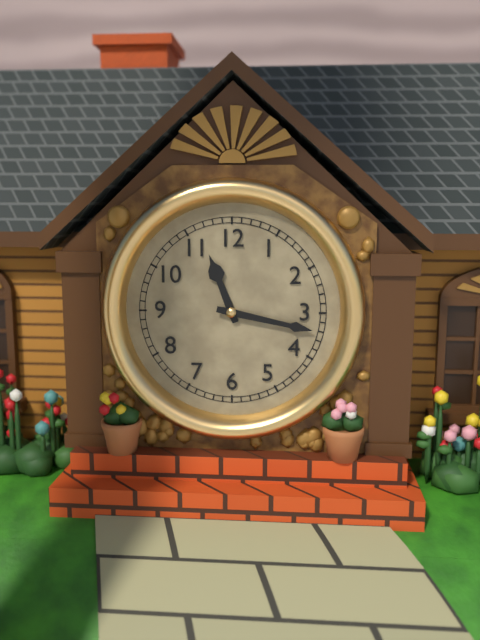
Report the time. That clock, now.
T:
11:17
